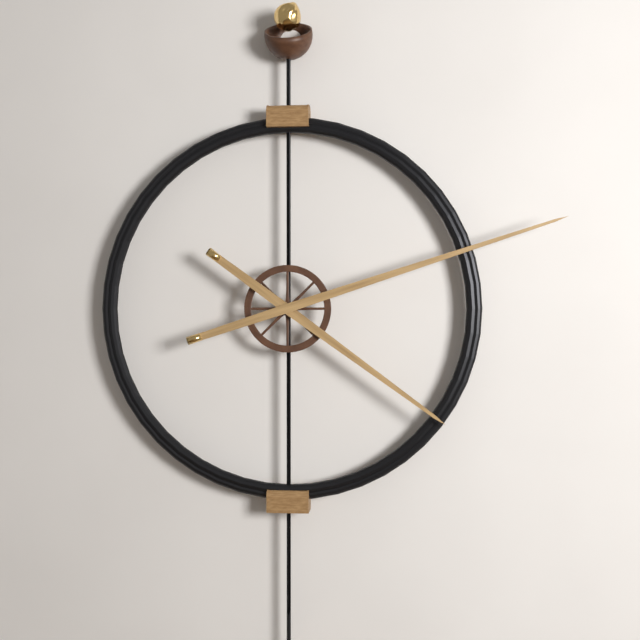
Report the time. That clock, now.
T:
4:12
